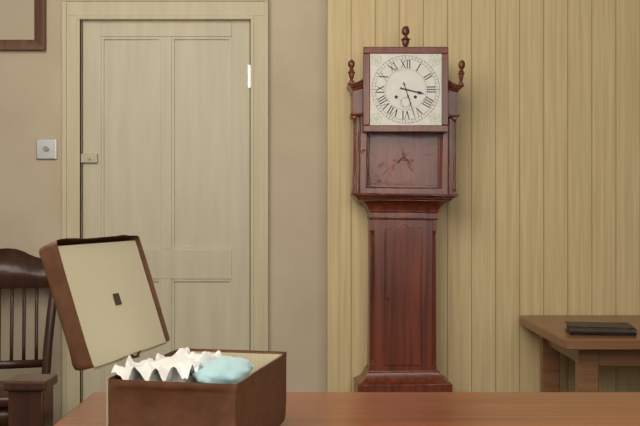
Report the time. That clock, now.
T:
3:27
